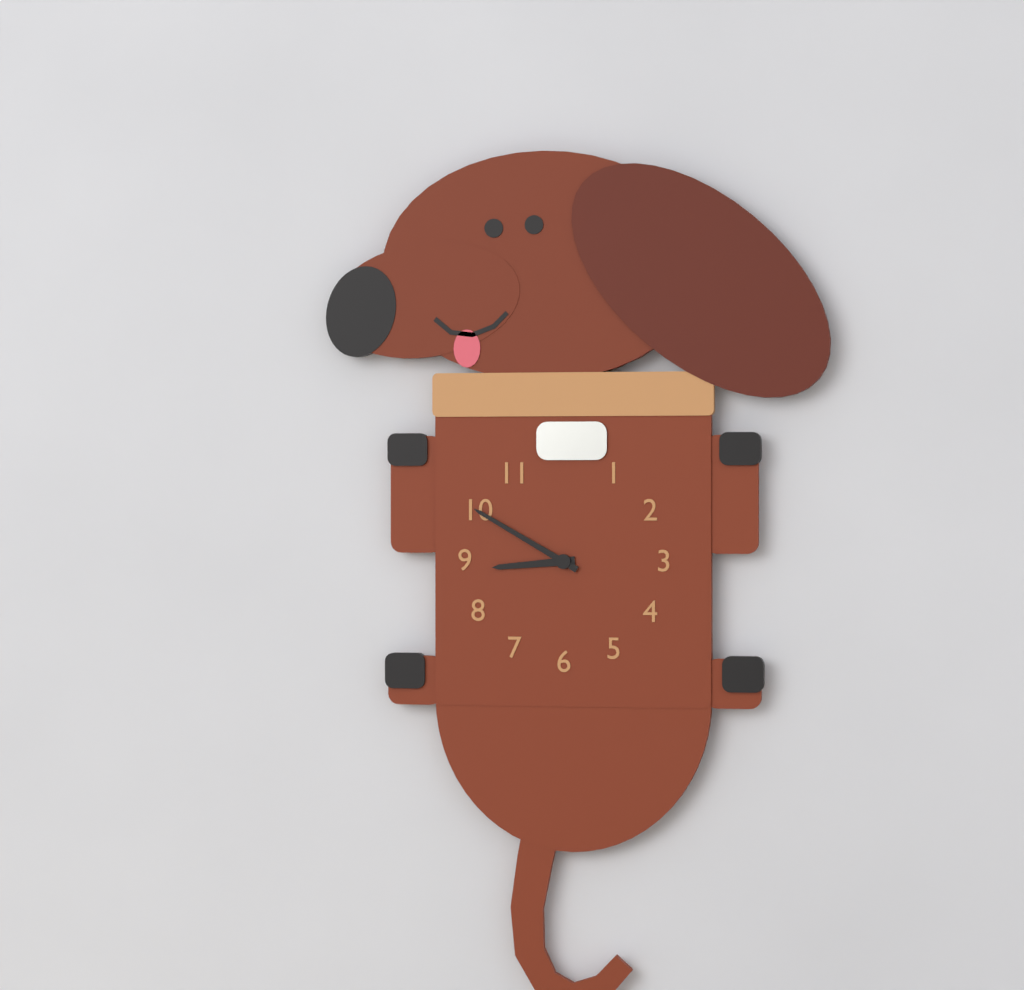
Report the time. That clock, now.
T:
8:50
